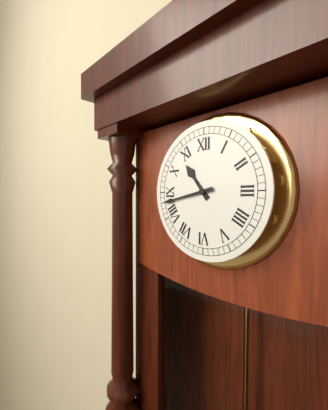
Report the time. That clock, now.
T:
10:43
